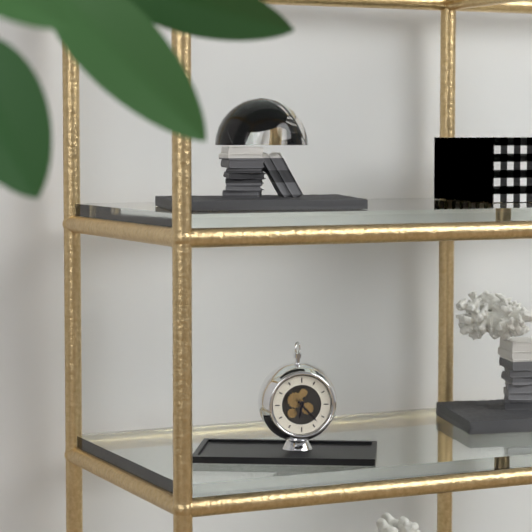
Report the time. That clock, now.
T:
6:23
